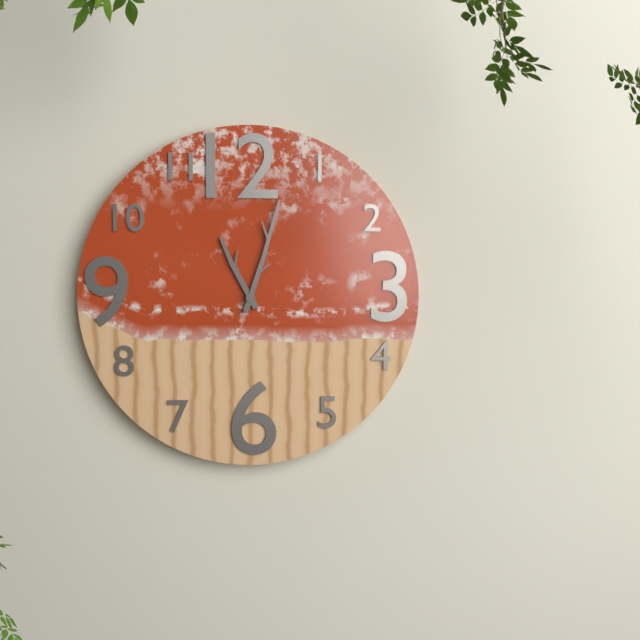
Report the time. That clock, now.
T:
11:03
